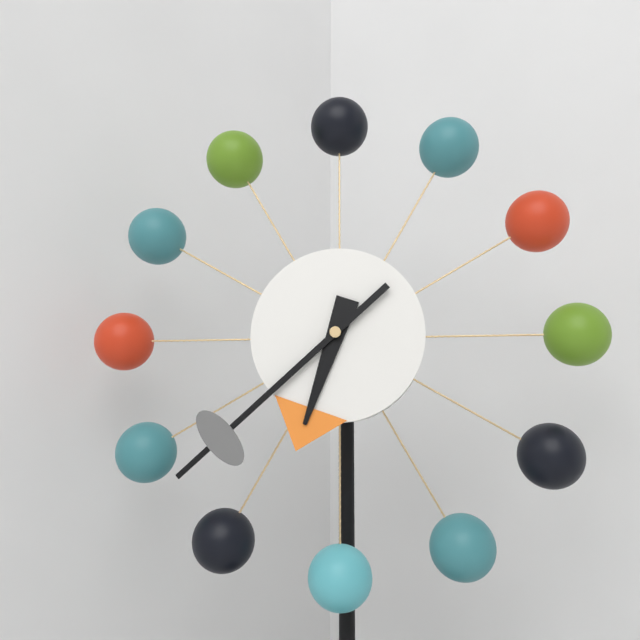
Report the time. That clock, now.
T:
6:38
